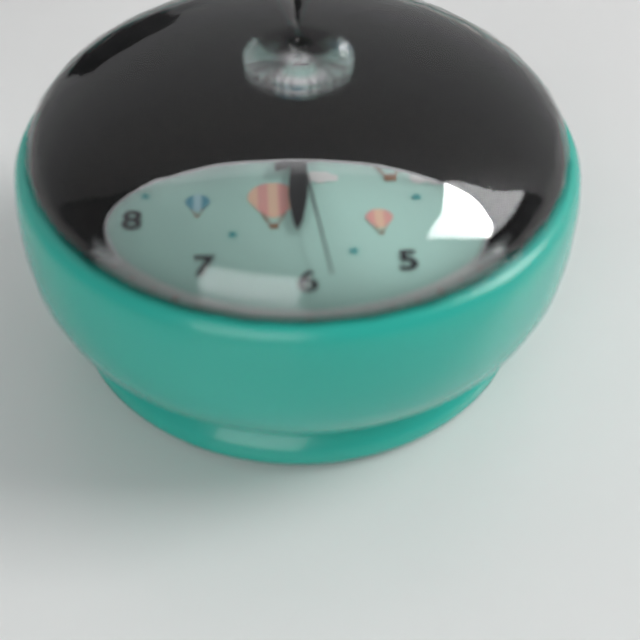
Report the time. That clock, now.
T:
6:06:29
